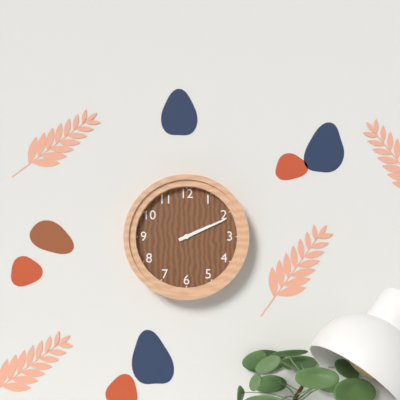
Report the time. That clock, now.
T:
2:11
